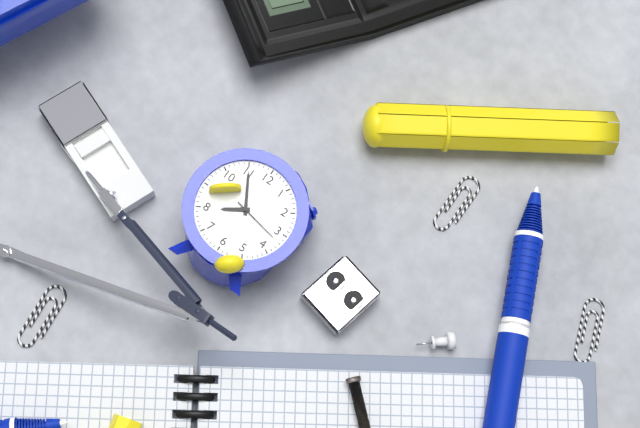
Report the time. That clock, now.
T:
7:55:17
